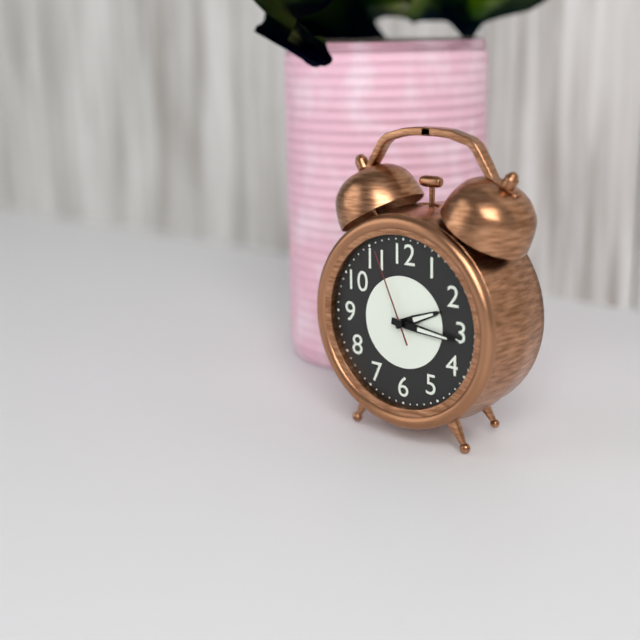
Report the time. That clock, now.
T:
2:16:56
